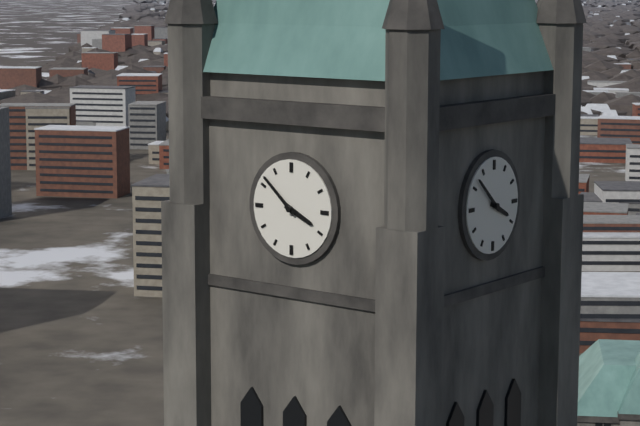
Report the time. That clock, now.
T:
3:52
